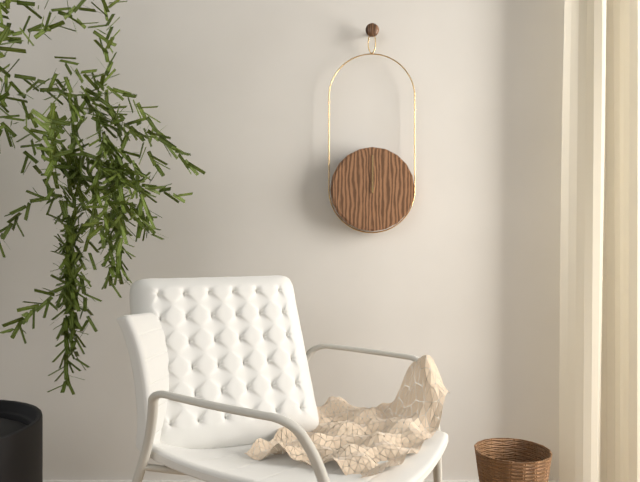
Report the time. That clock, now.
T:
12:00
